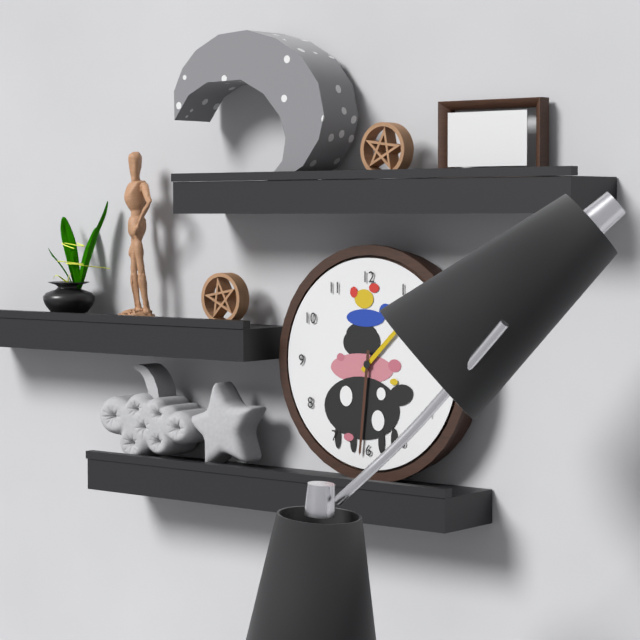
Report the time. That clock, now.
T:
1:31
